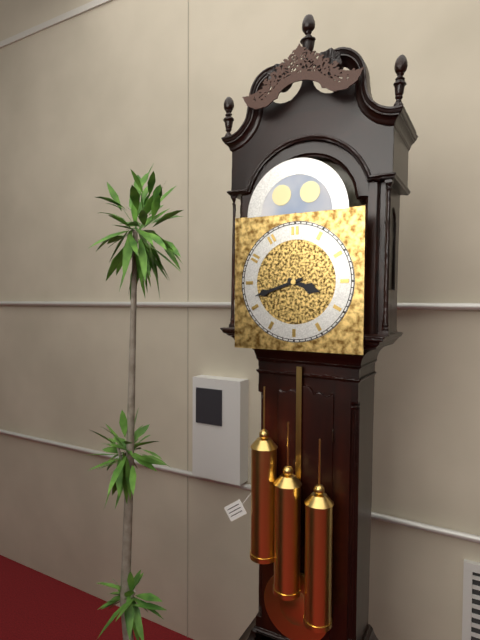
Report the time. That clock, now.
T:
3:42
